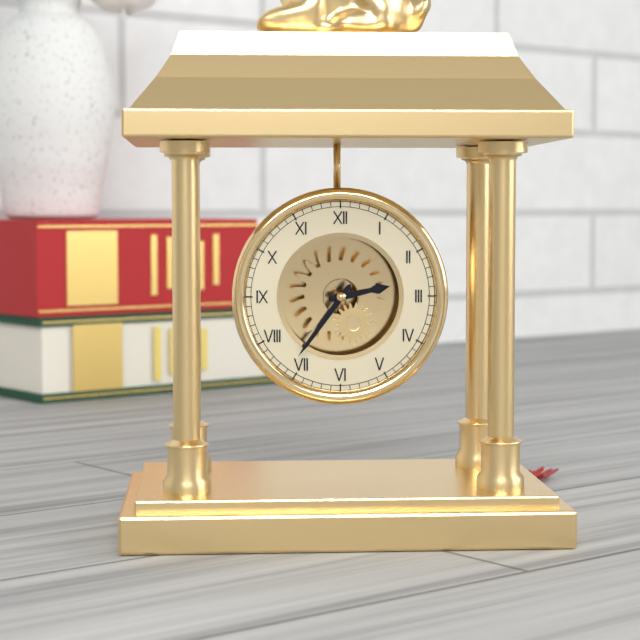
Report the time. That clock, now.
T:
2:36
